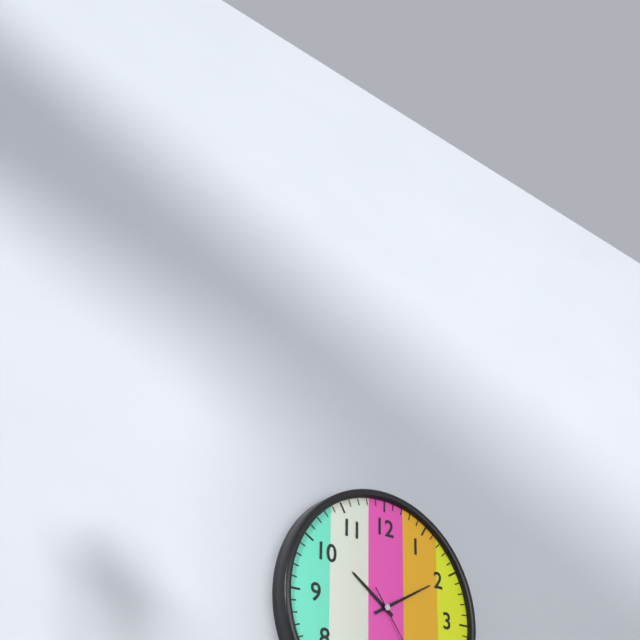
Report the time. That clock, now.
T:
10:10
